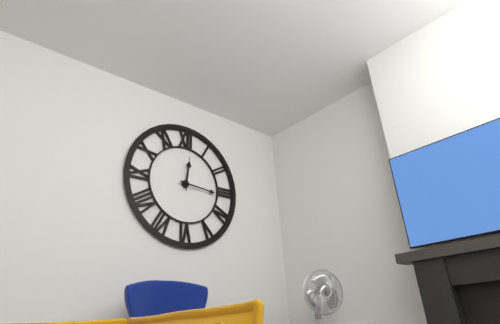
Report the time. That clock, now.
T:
12:16
